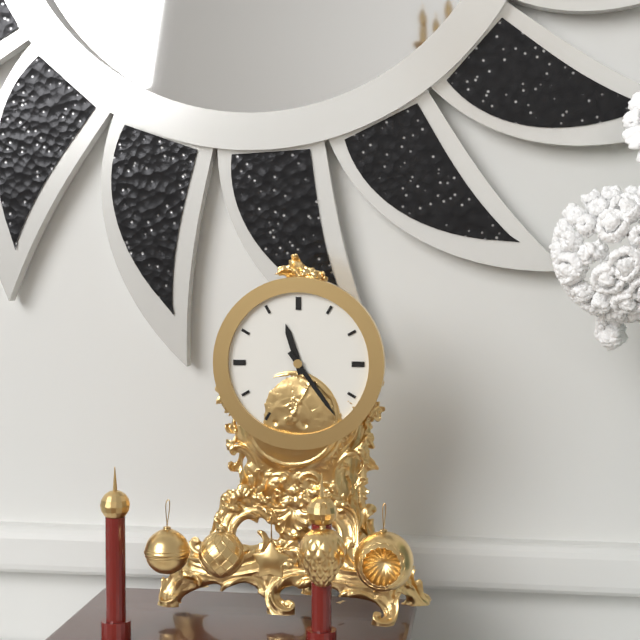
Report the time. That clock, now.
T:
11:24
